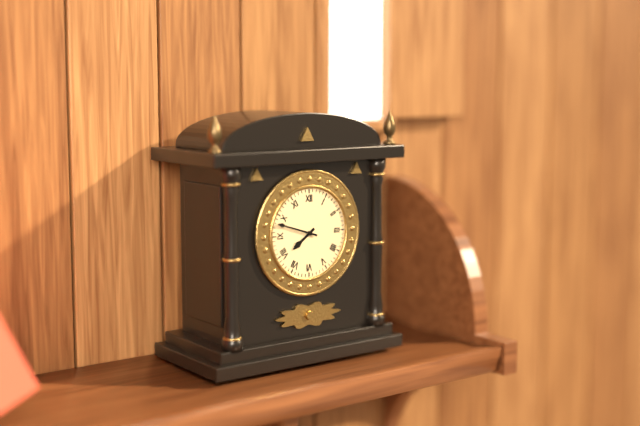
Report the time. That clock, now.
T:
7:48
